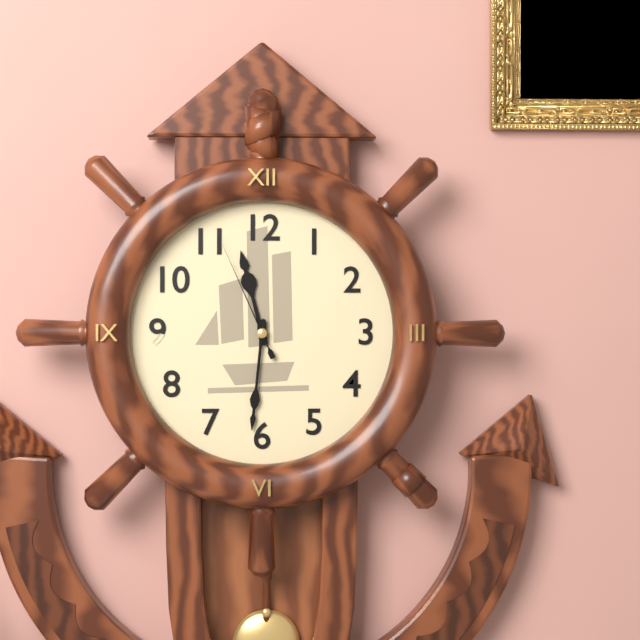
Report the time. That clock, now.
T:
11:31:56
